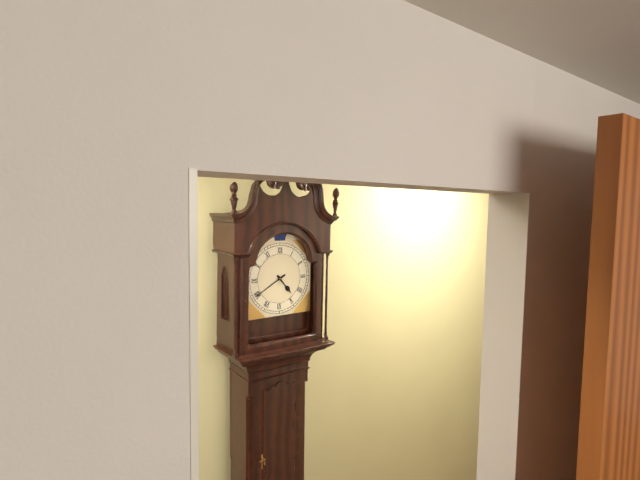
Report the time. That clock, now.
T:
4:40
